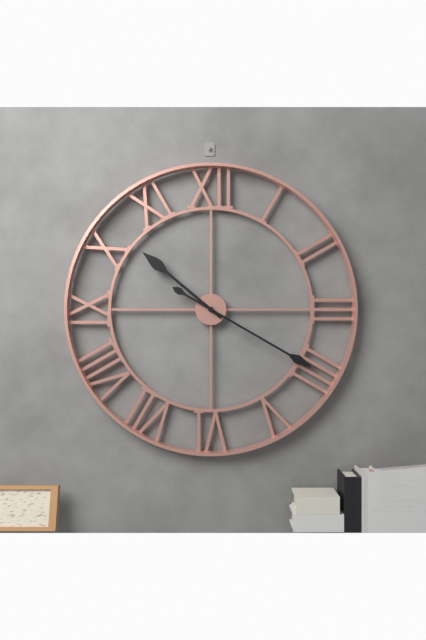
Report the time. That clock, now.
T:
10:20
